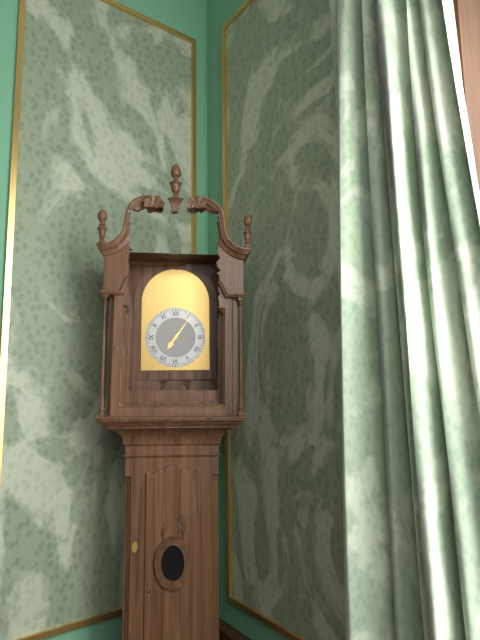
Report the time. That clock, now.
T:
7:06
